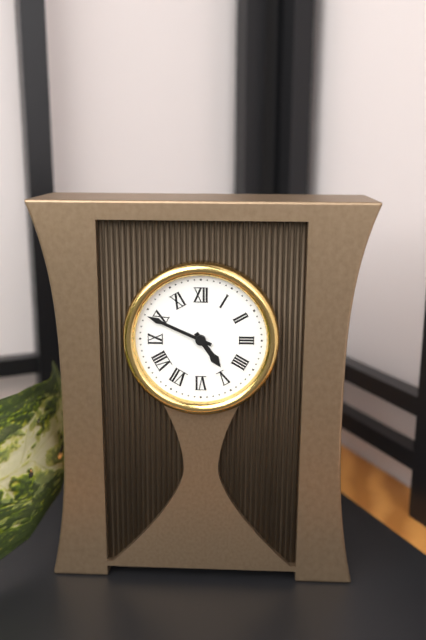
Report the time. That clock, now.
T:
4:49
